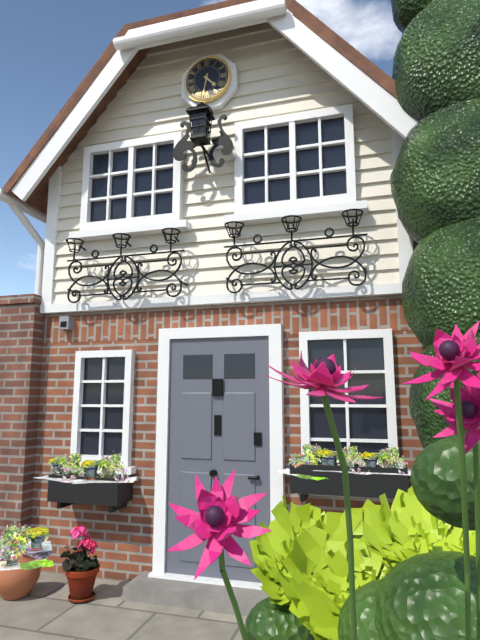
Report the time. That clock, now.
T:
4:32
